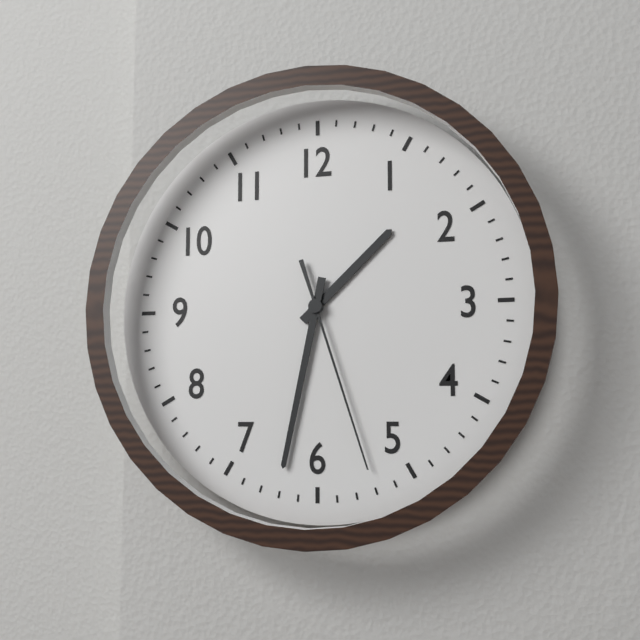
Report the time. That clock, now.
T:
1:32:27
